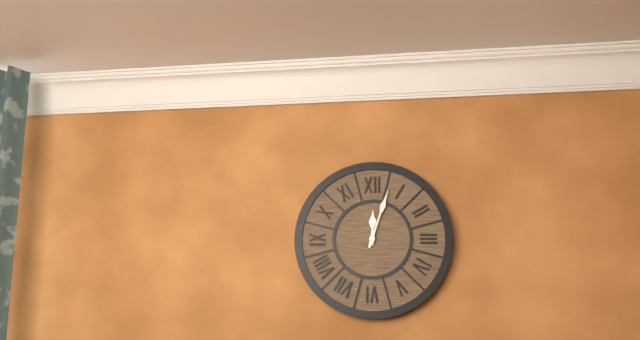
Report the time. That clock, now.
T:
12:03
